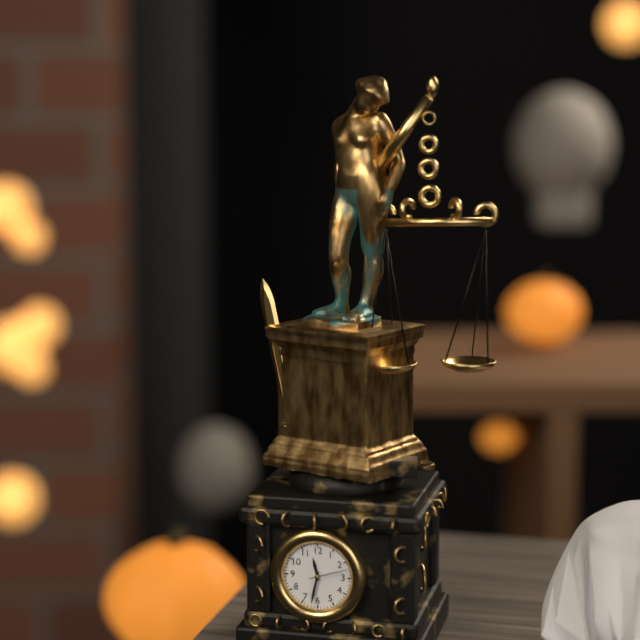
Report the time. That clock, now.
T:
11:32
